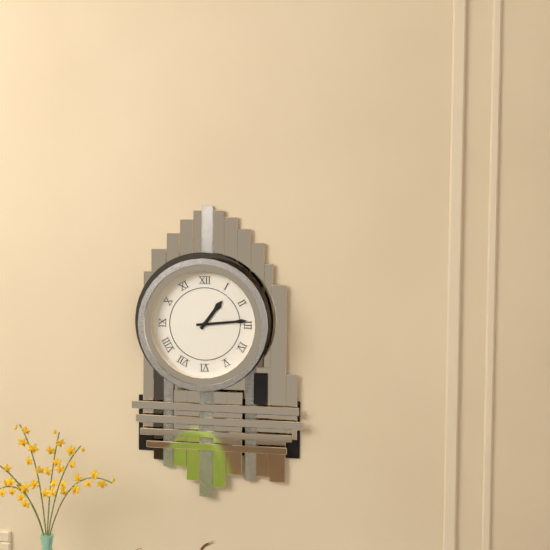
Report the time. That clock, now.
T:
1:14
